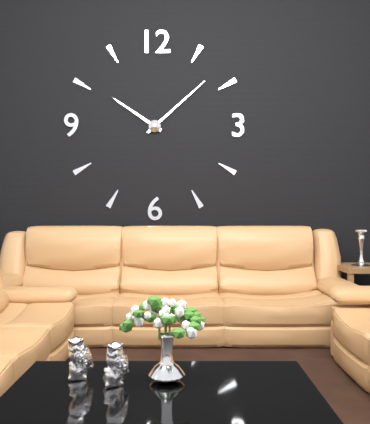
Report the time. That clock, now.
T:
10:08
